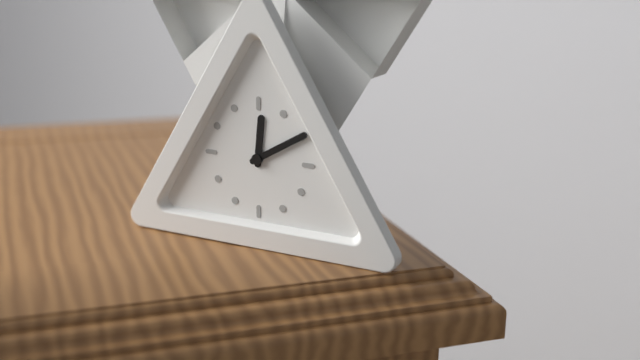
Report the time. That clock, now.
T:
12:10
